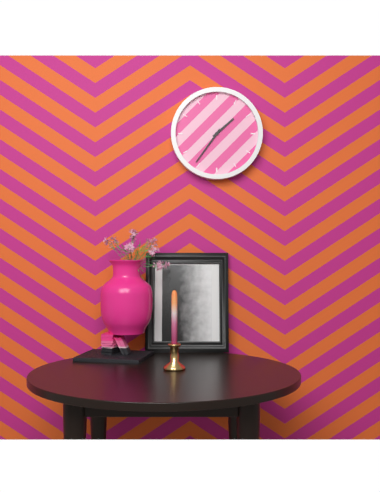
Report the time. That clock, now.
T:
1:36
